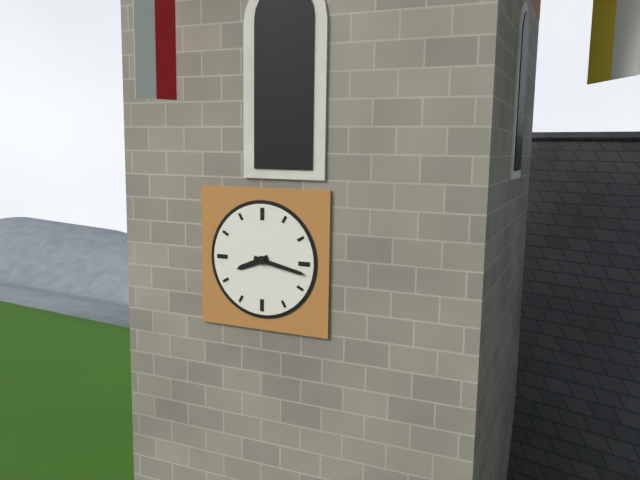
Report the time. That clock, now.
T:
8:17
